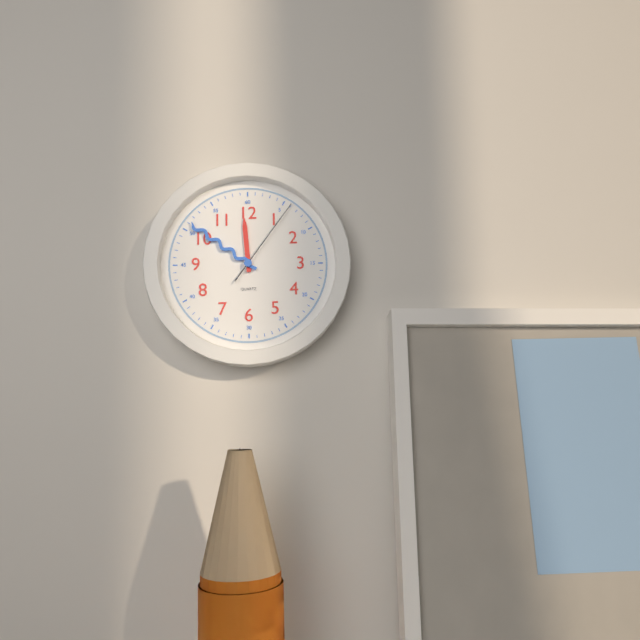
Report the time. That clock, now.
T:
11:51:06
